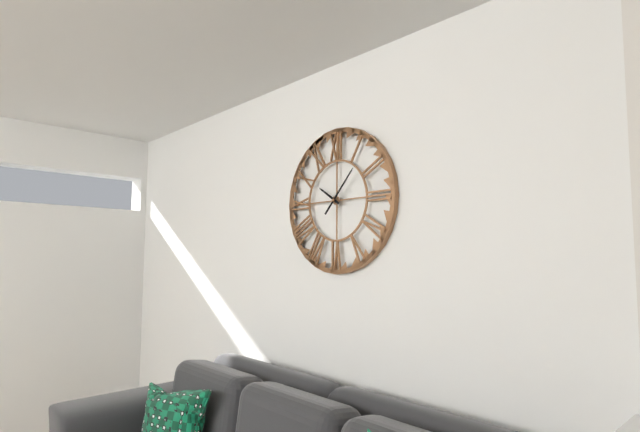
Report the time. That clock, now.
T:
10:07
